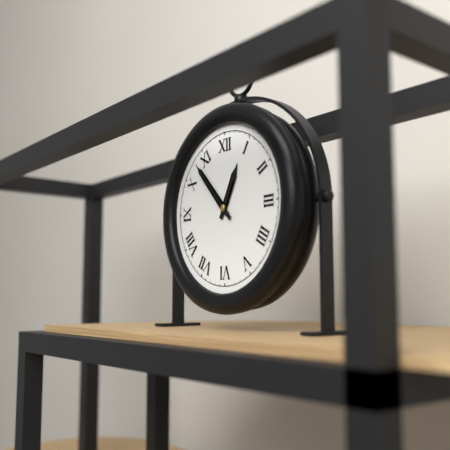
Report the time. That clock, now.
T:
12:53
